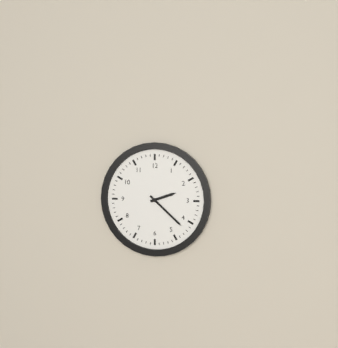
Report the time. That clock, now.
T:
2:22
